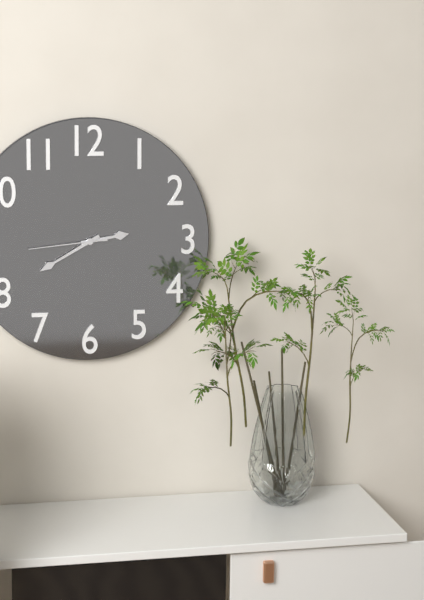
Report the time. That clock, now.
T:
2:40:44
